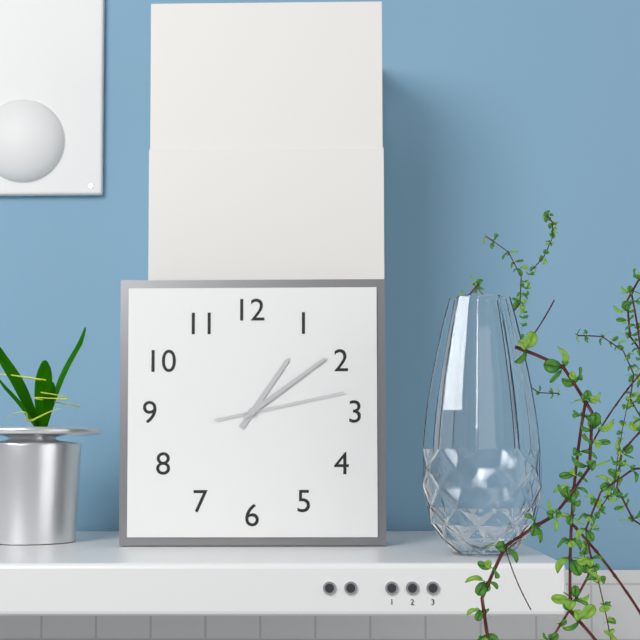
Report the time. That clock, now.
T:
1:09:13
